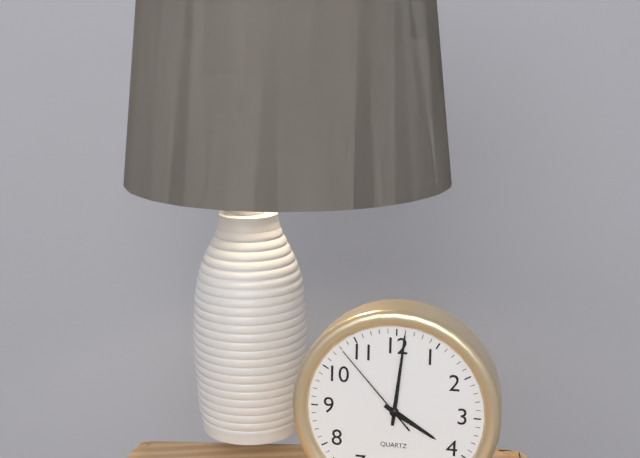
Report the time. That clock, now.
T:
4:01:53
